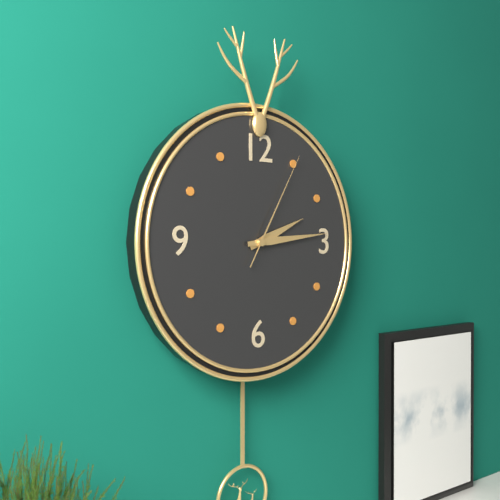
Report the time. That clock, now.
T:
2:14:05
